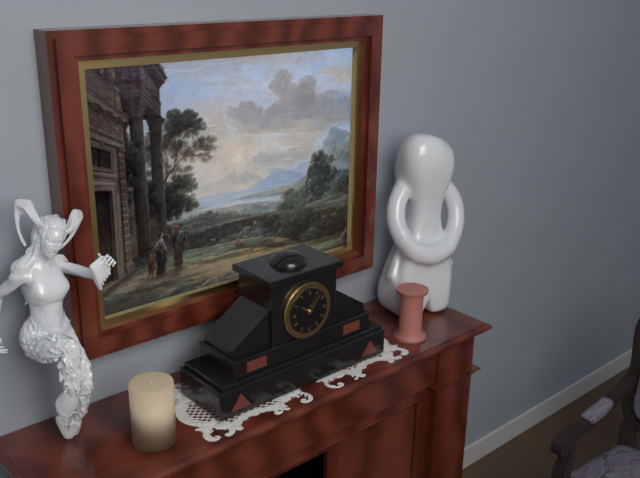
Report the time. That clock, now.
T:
10:07
